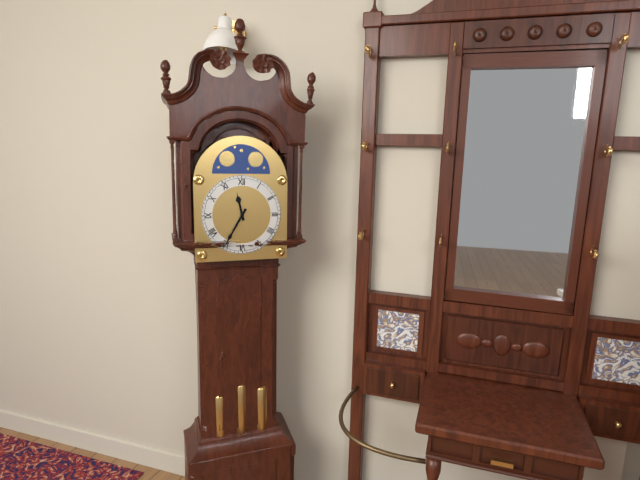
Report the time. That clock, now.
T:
11:35
